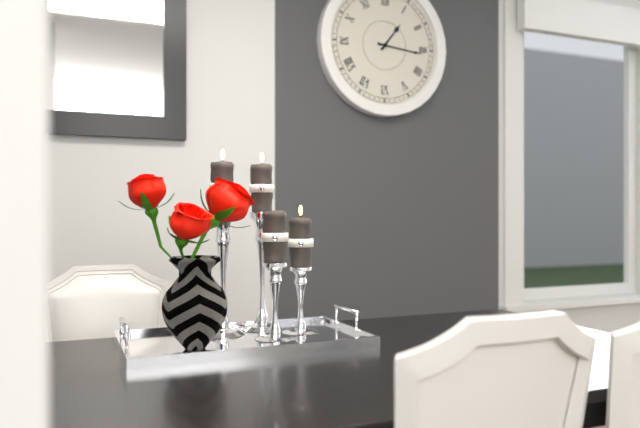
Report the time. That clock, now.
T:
1:16
